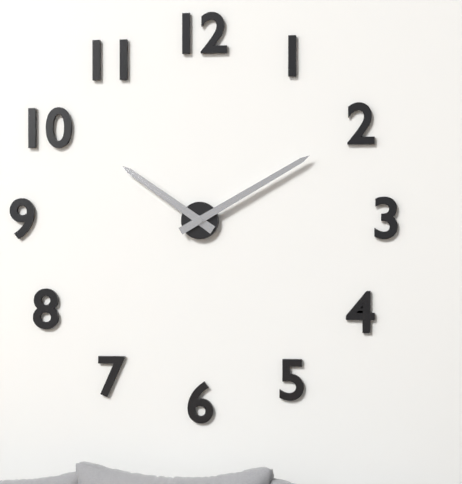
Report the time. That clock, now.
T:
10:10
